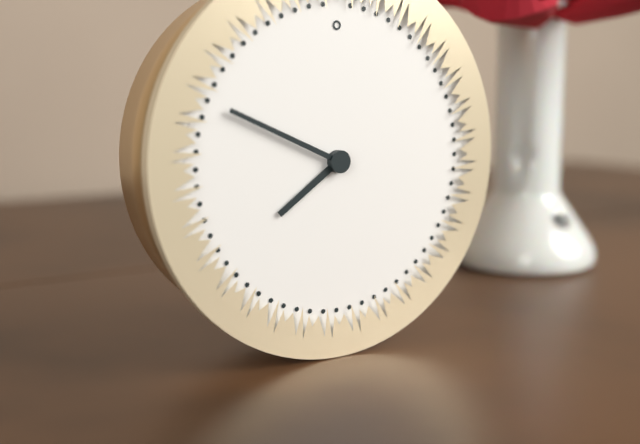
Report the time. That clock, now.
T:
7:49
